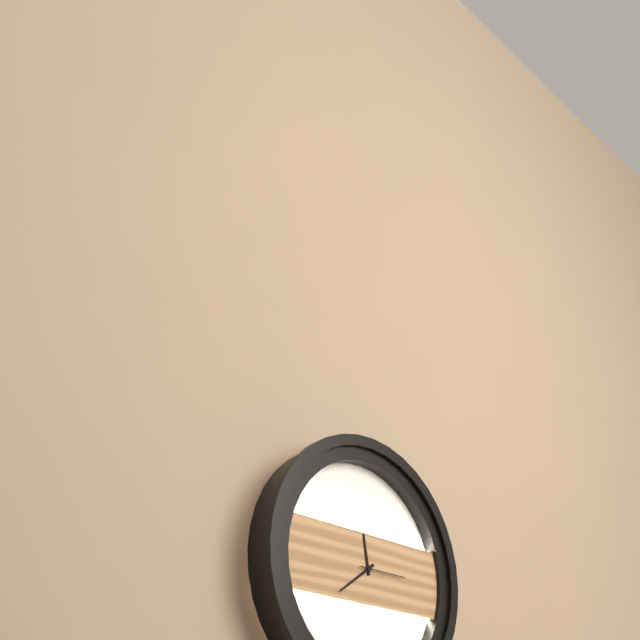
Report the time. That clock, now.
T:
11:39
